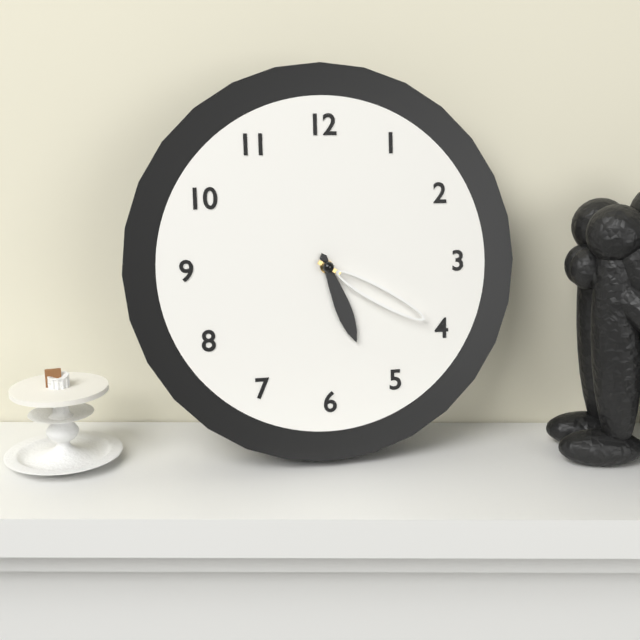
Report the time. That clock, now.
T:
5:20
